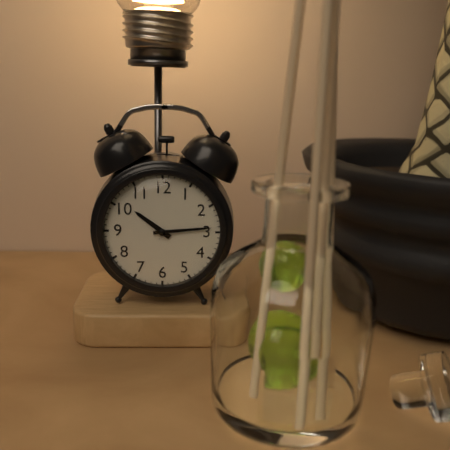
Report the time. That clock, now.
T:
10:14
